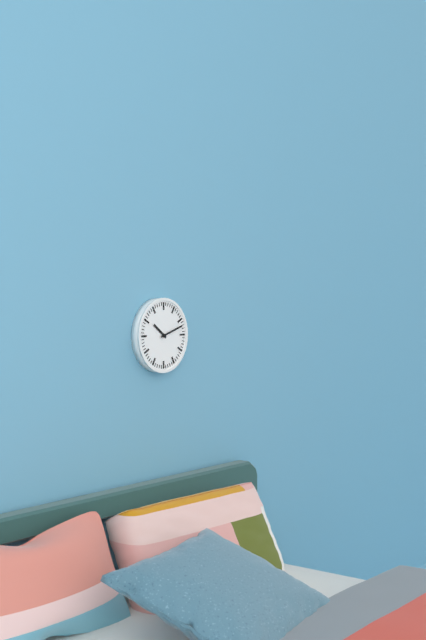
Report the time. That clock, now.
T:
10:12
